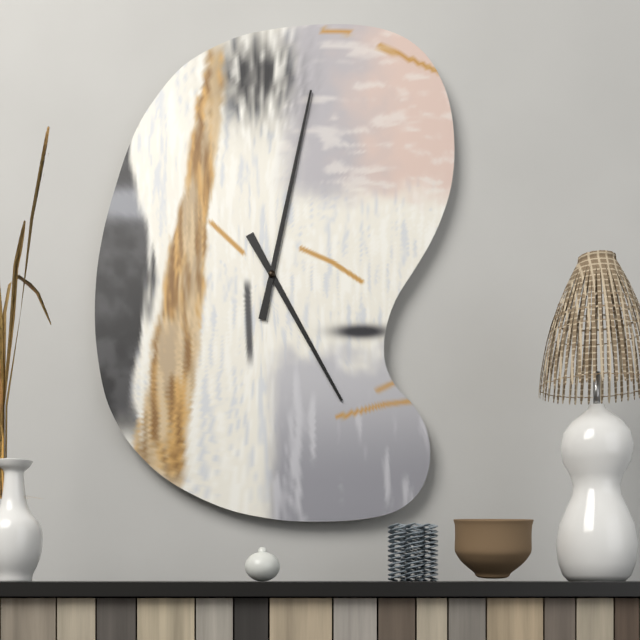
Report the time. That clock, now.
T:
5:02
